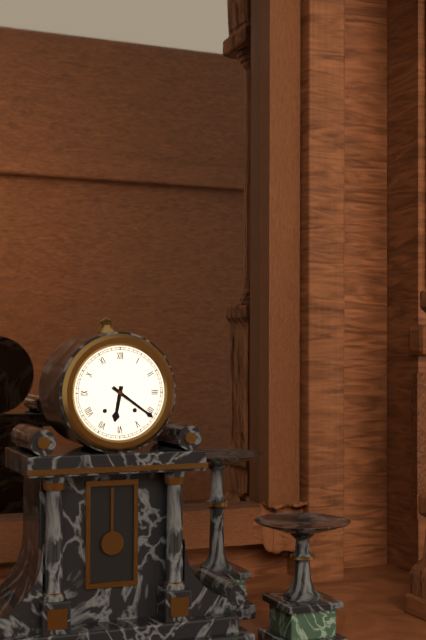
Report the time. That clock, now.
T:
6:21
